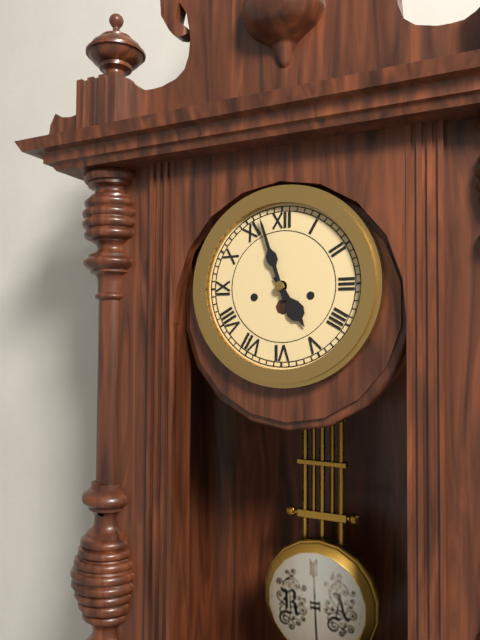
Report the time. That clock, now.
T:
4:57
